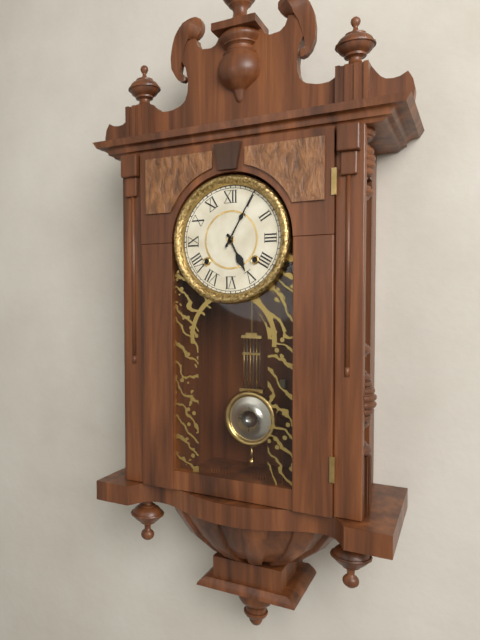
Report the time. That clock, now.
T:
5:05
